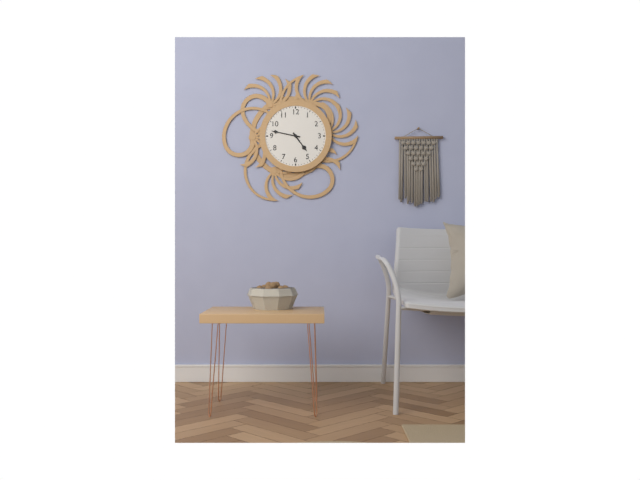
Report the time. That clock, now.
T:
4:47
